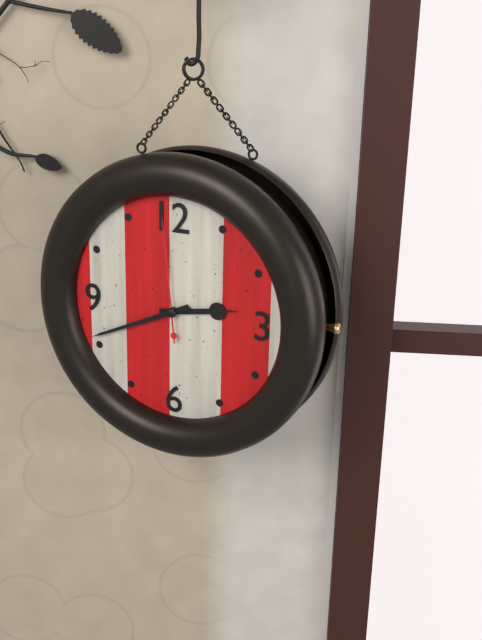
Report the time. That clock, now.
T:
2:41:59
